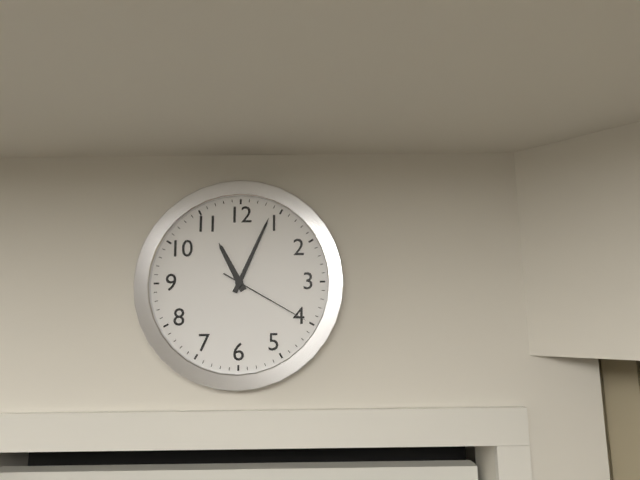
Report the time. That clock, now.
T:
11:04:20
